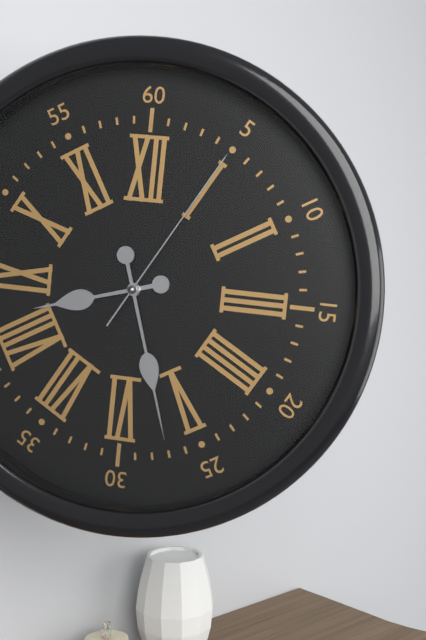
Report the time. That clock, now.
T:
8:27:05
